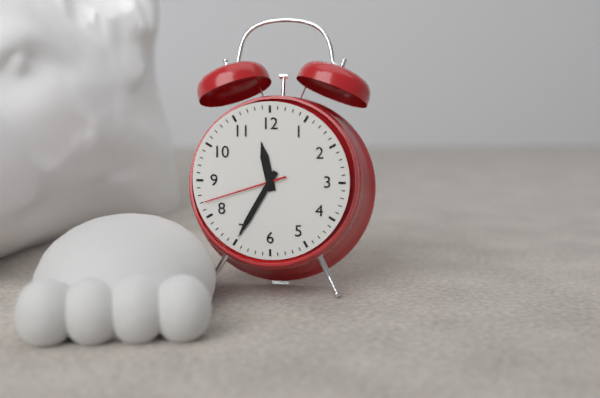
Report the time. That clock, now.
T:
11:35:42
